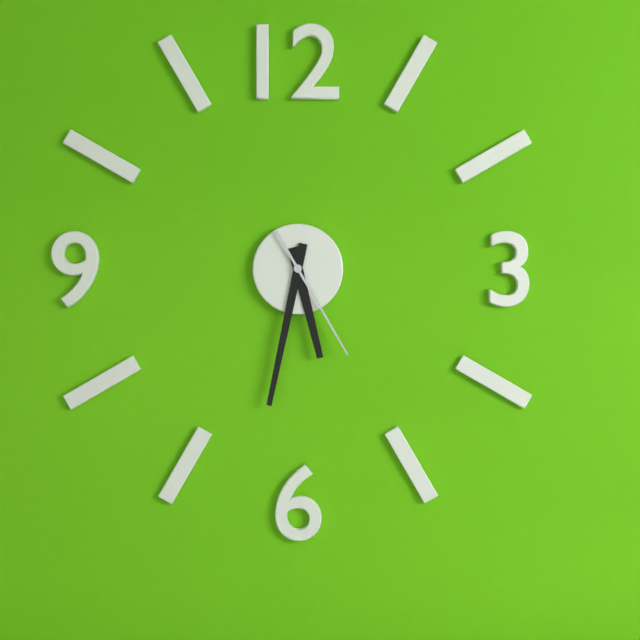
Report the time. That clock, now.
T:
5:32:25
